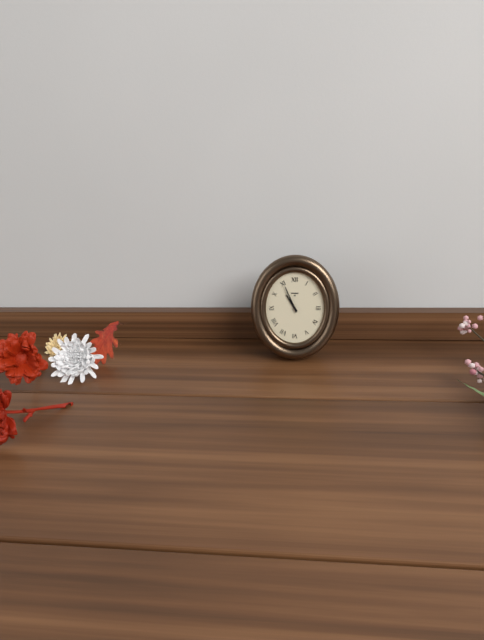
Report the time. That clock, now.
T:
10:56
